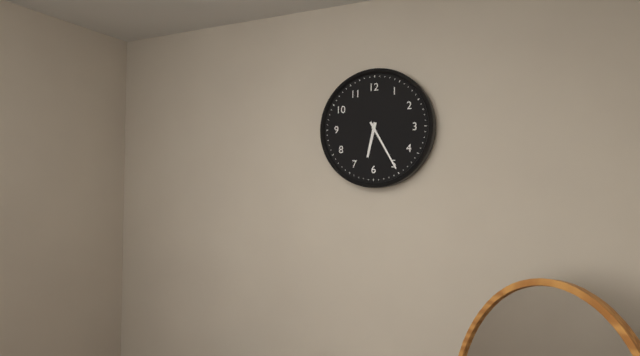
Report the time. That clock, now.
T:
6:25
